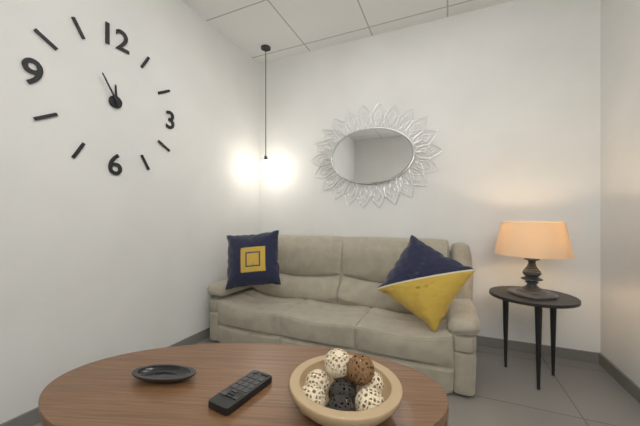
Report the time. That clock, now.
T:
11:55
